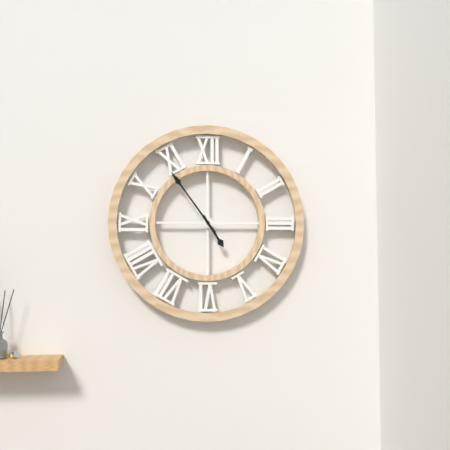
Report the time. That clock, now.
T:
4:54
